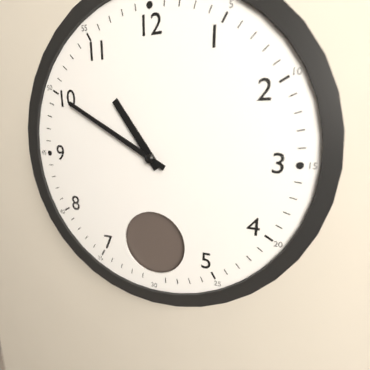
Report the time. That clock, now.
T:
10:50
